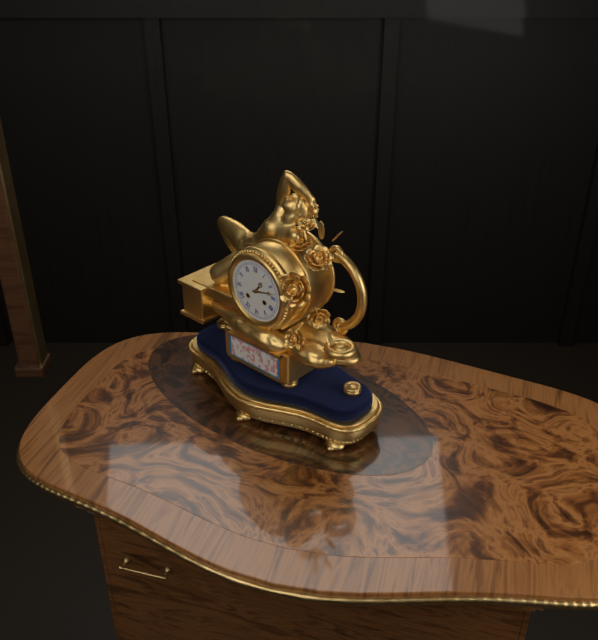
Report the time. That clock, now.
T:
1:13
